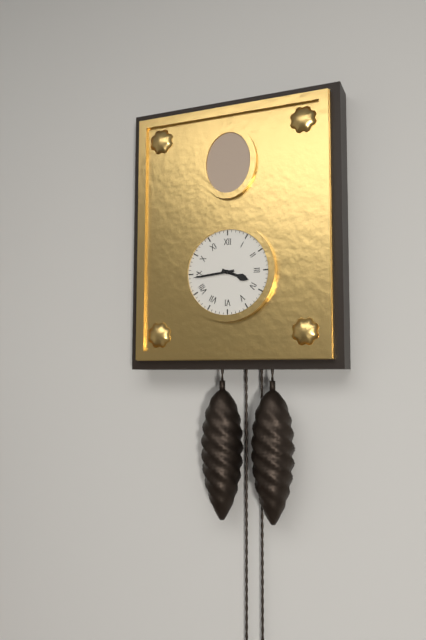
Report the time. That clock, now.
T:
3:44
